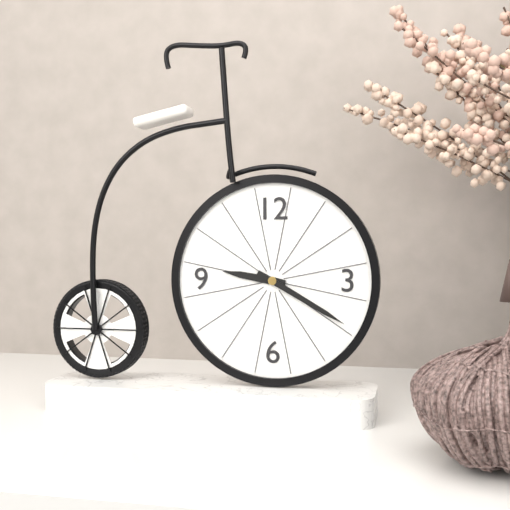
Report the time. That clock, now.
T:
9:20
